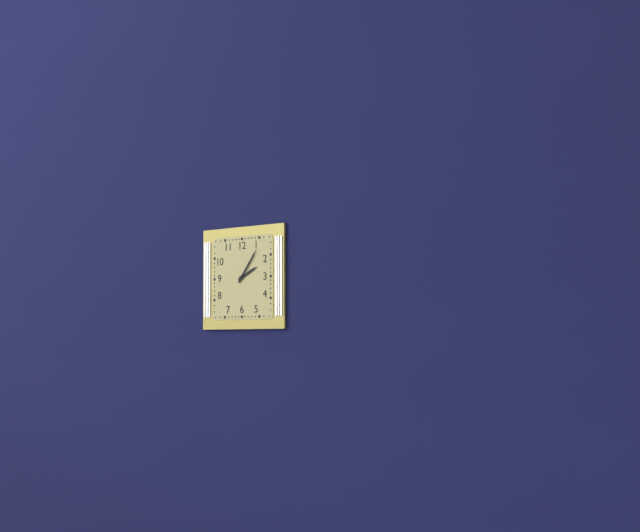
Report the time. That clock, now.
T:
2:06
